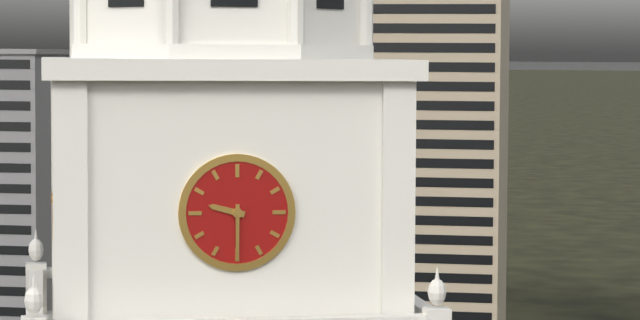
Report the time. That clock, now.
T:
9:30
